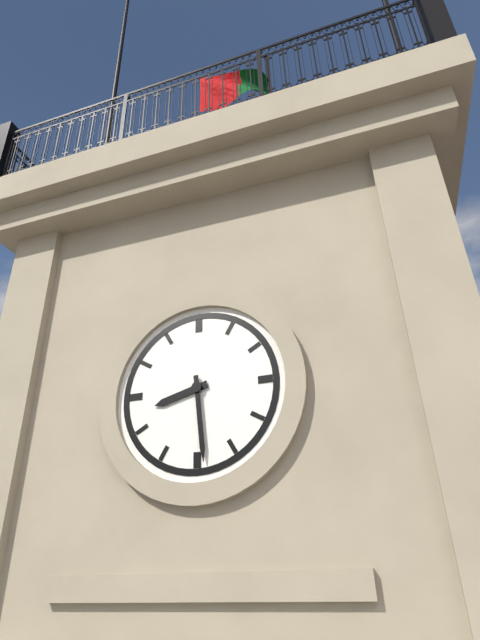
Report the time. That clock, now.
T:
8:29
